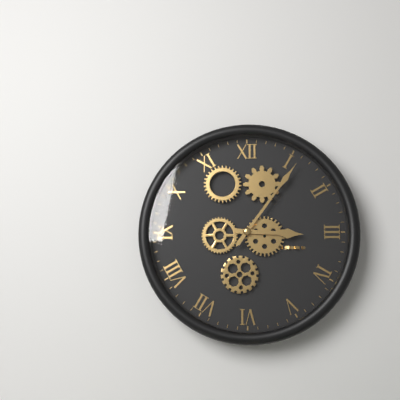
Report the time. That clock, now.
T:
3:06
